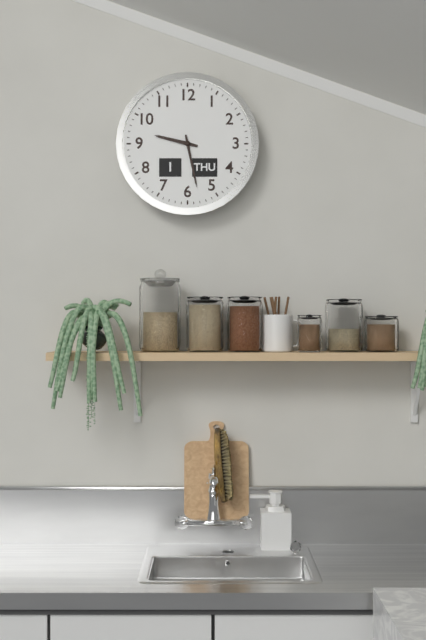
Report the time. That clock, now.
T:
9:28
